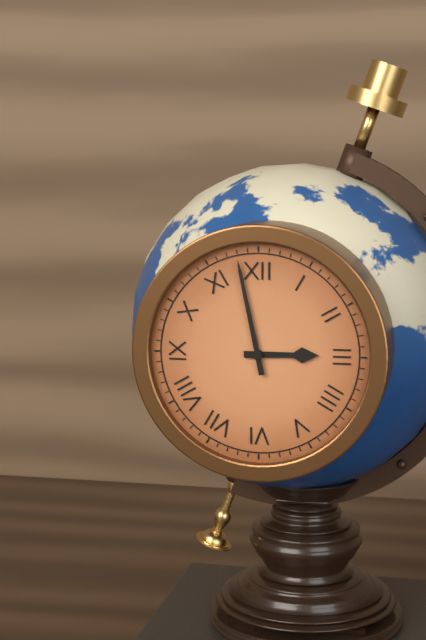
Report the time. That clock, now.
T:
2:58
